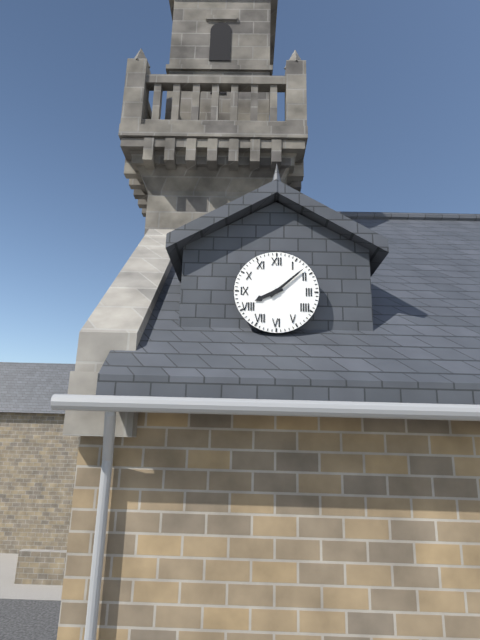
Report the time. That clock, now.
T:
8:08
